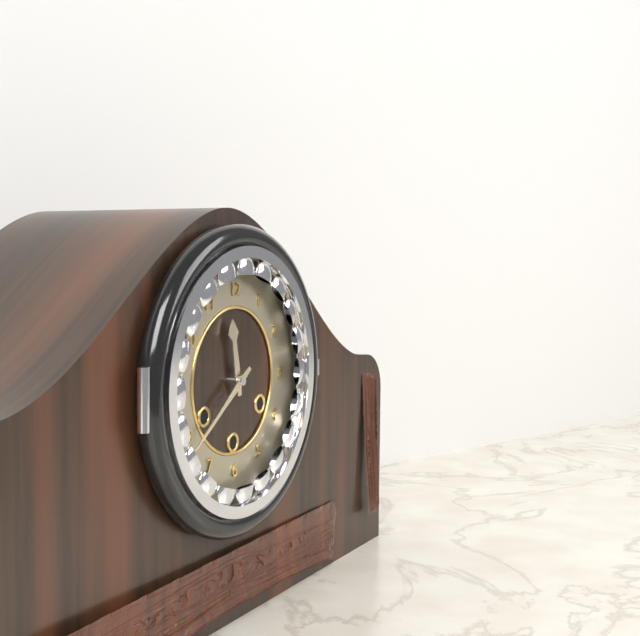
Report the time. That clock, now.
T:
11:39
